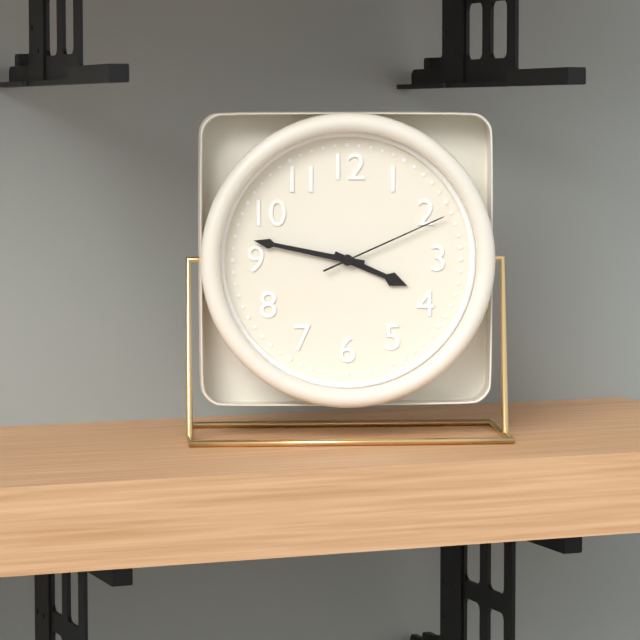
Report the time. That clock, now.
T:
3:47:11
